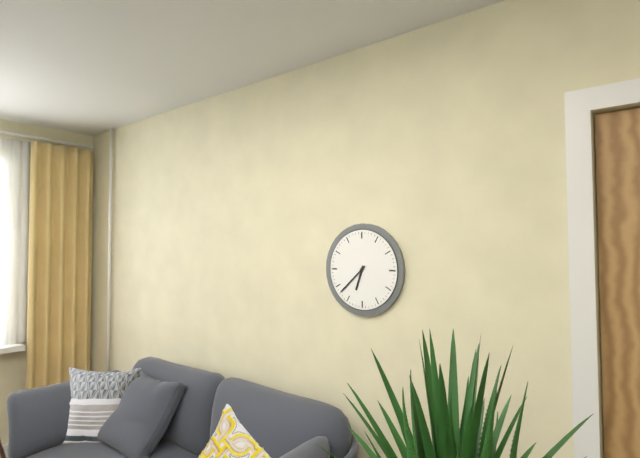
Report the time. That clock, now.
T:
6:38
